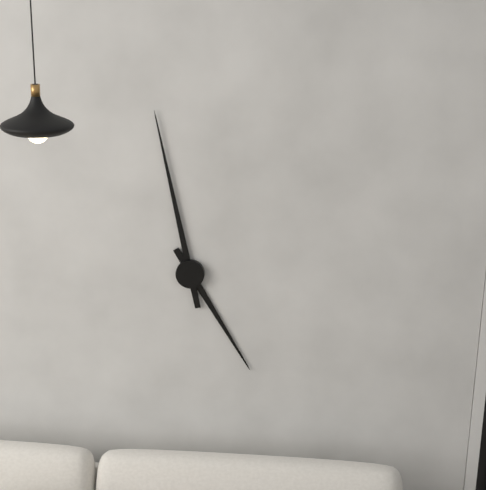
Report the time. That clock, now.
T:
4:58
